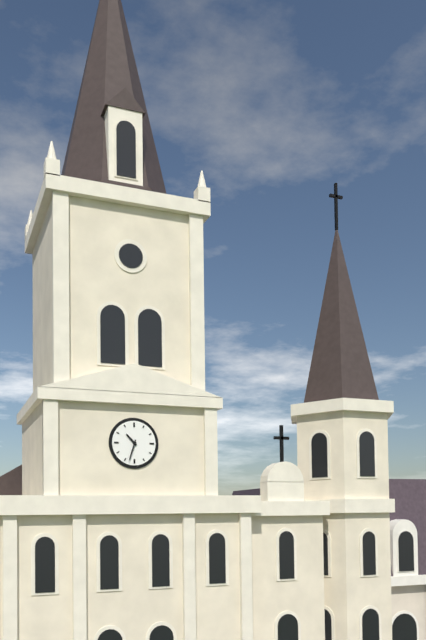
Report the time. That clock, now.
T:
10:33
